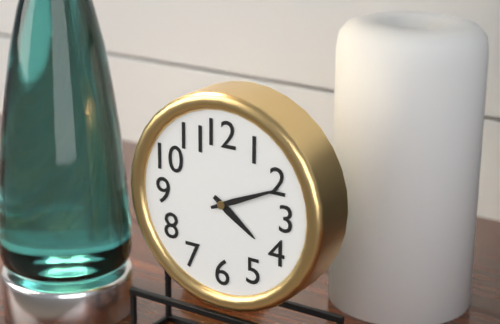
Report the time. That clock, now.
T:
4:11
